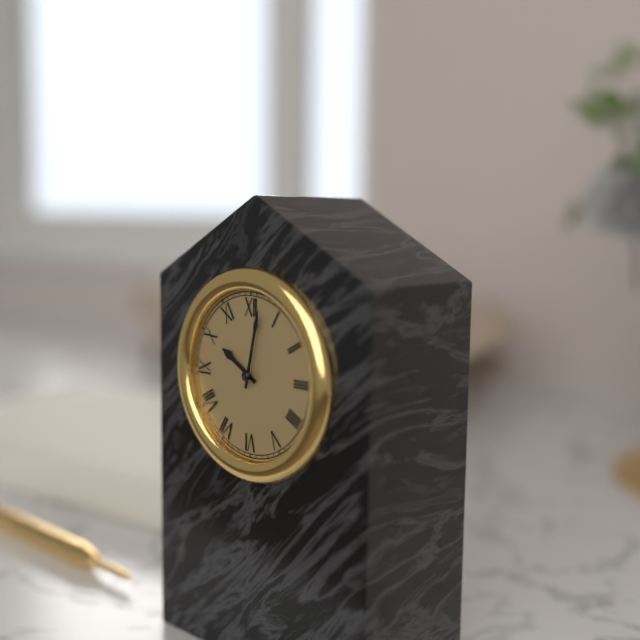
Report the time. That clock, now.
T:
10:02
